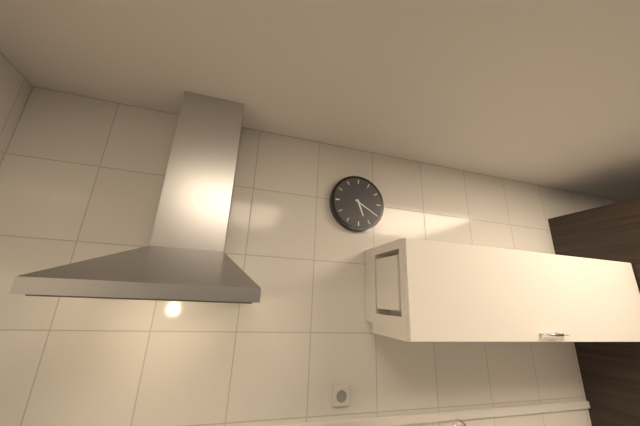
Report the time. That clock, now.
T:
5:20
